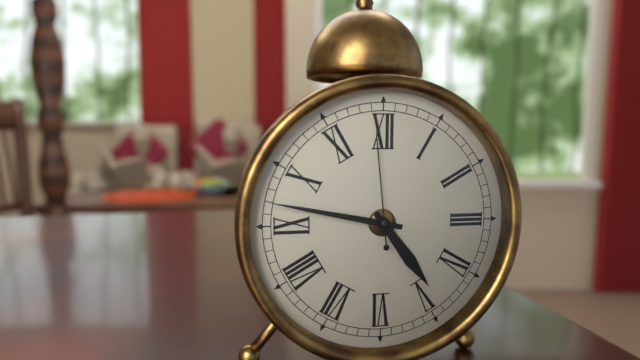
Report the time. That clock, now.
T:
4:47:59
